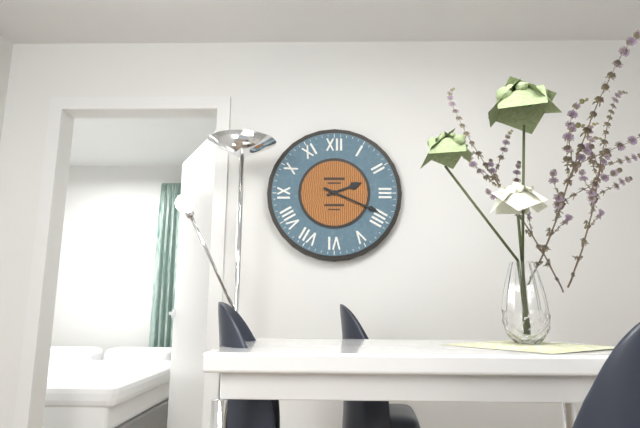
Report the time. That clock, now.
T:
2:19
